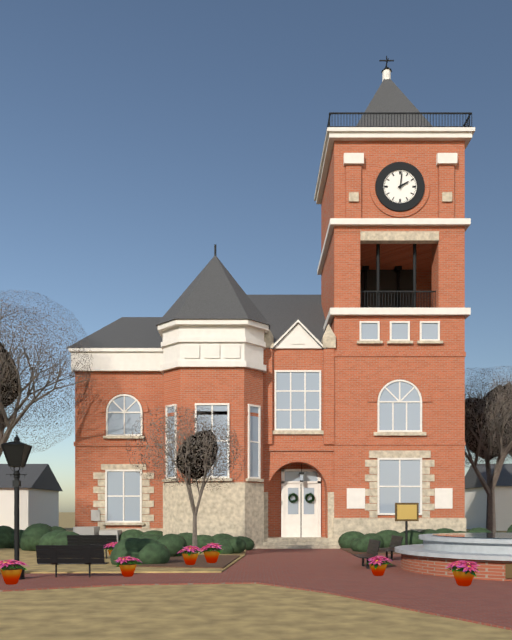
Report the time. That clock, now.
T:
2:01
